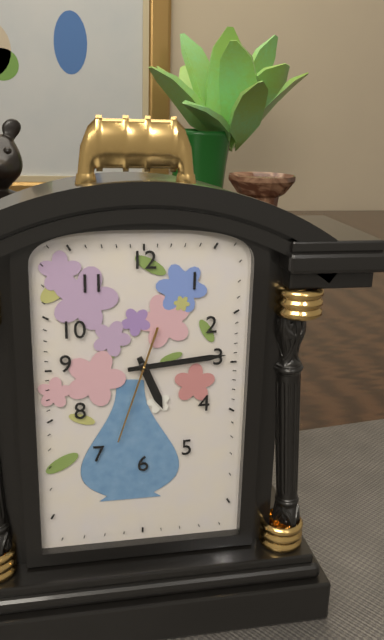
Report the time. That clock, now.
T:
5:14:33
